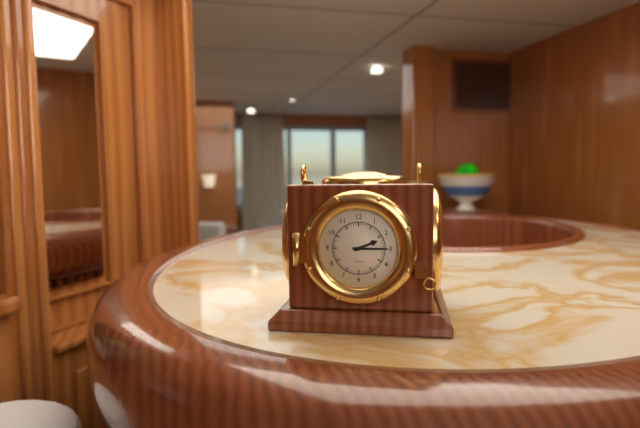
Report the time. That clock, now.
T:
2:15
